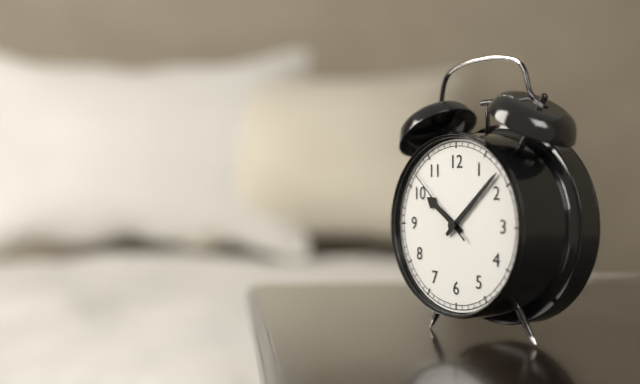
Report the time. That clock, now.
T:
10:08:52
